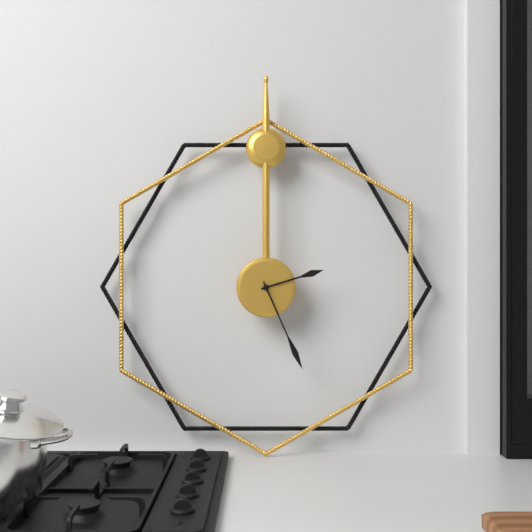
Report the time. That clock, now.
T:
2:26
